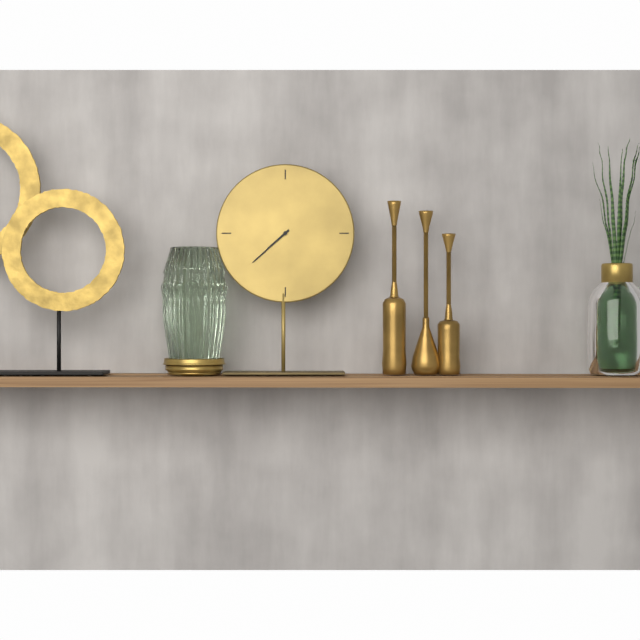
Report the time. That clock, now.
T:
7:38
